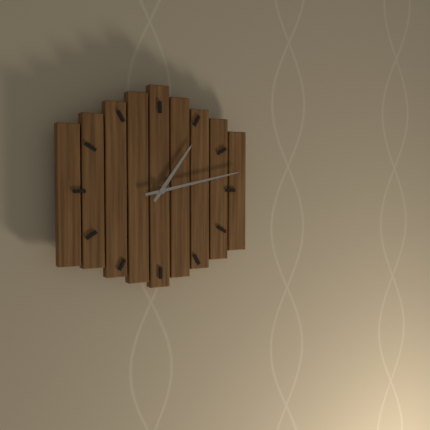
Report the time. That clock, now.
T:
1:13
